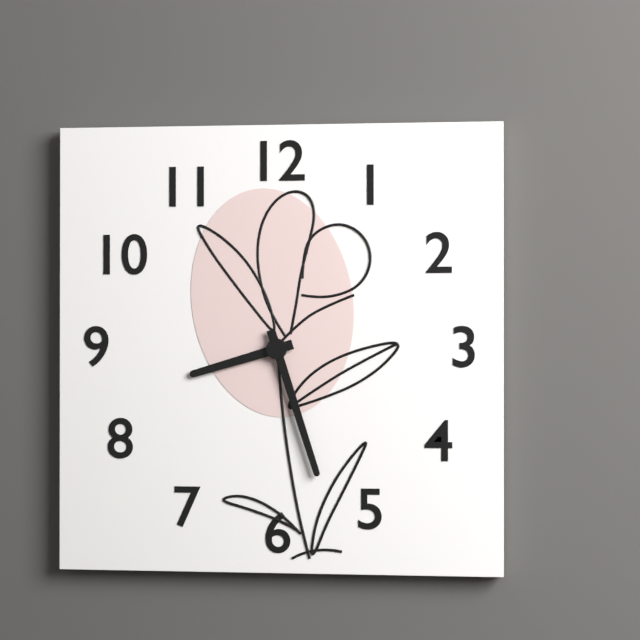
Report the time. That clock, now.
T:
8:27
